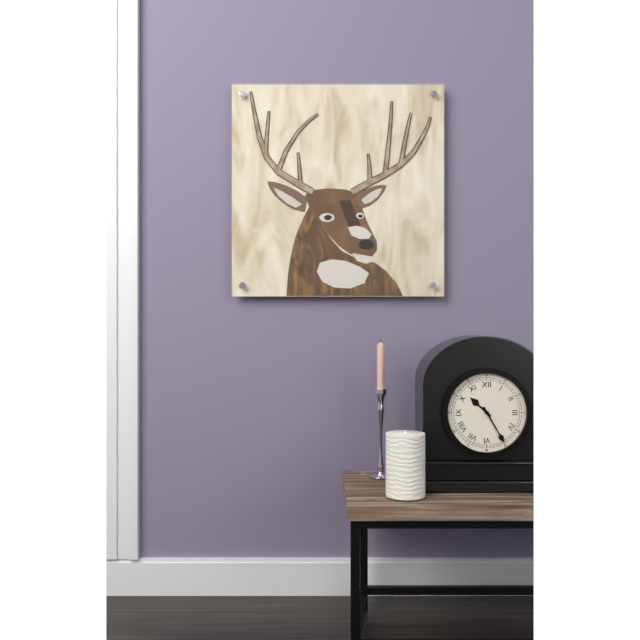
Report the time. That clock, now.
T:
10:25
